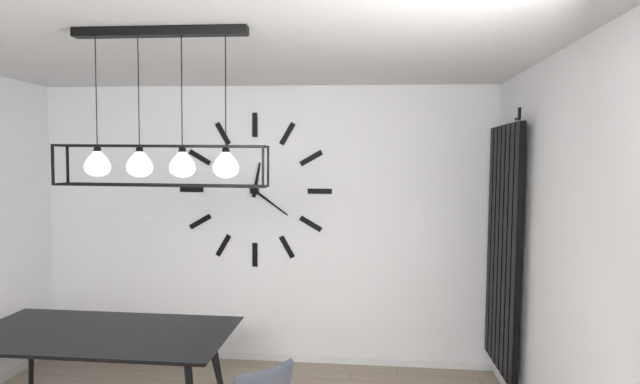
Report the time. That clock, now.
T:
12:21
